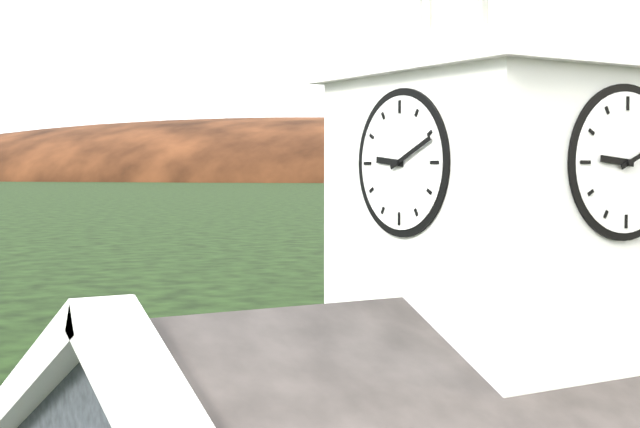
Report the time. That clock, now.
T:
9:11
